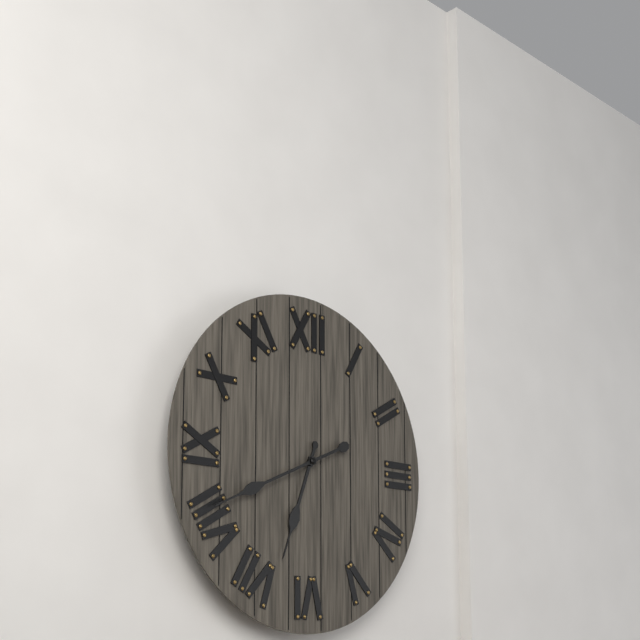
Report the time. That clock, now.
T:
6:41
